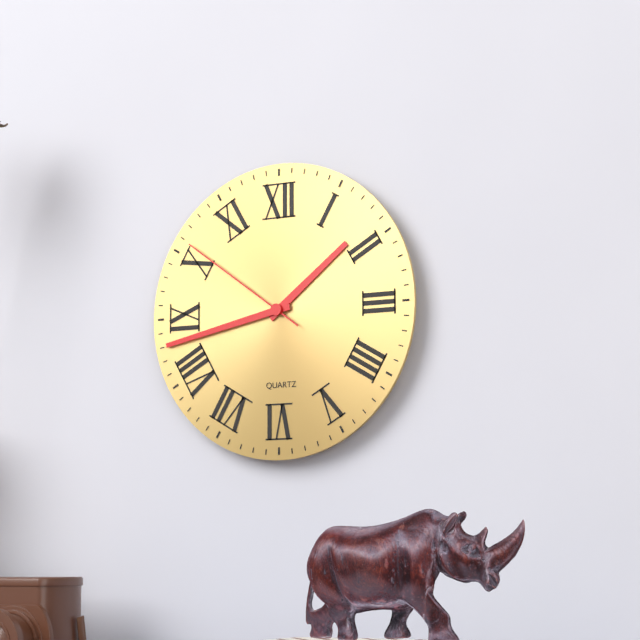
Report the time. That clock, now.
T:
1:43:51
